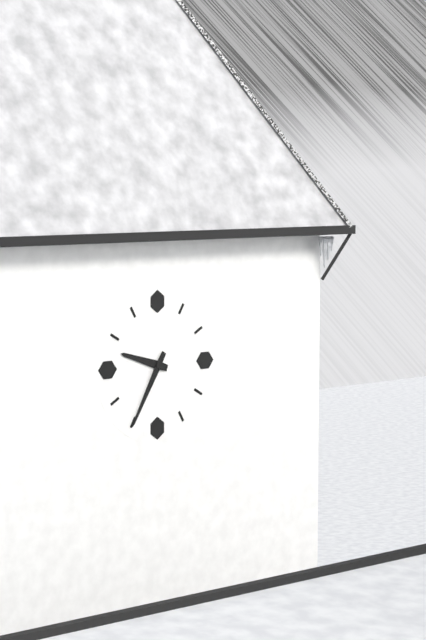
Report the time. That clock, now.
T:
9:35
